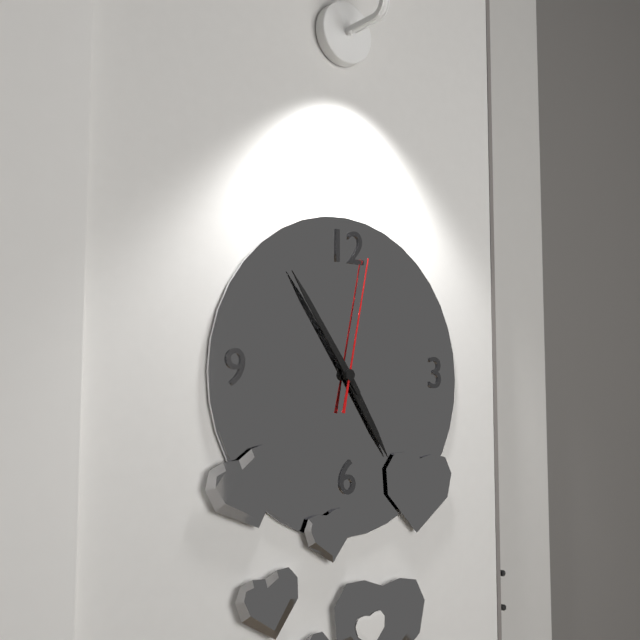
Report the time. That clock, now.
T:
4:54:02
